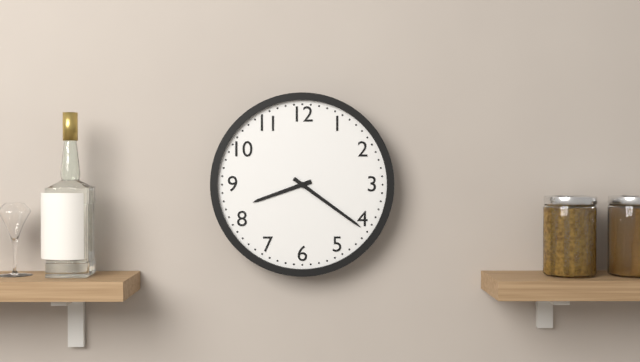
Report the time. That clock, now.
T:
8:21
